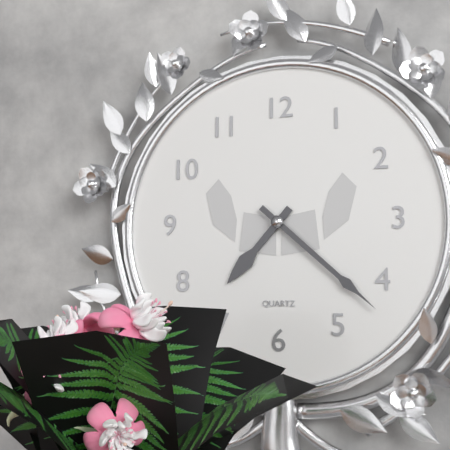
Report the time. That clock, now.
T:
7:22
